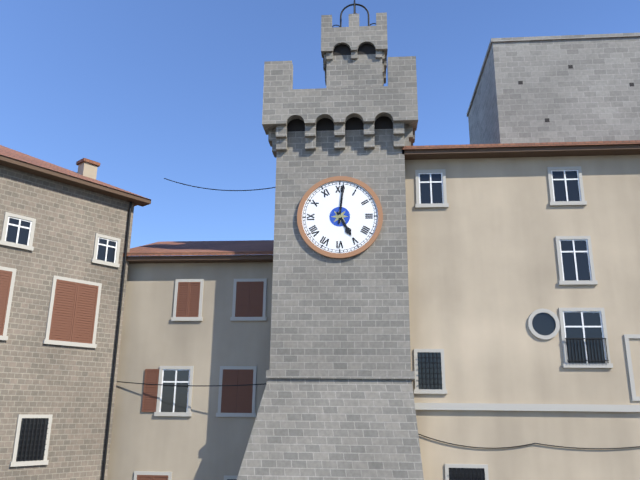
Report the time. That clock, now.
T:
5:01
